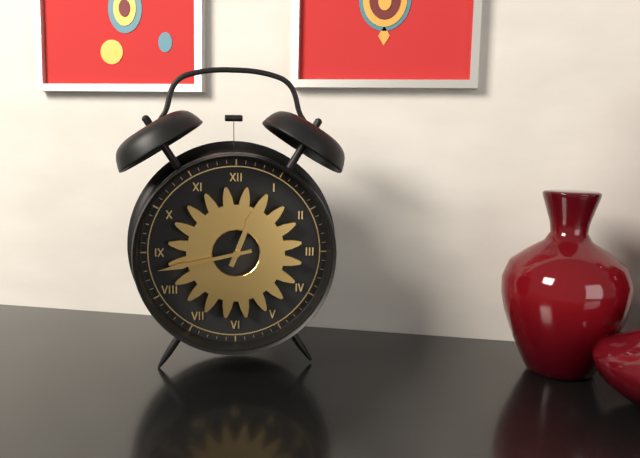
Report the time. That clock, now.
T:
12:43
